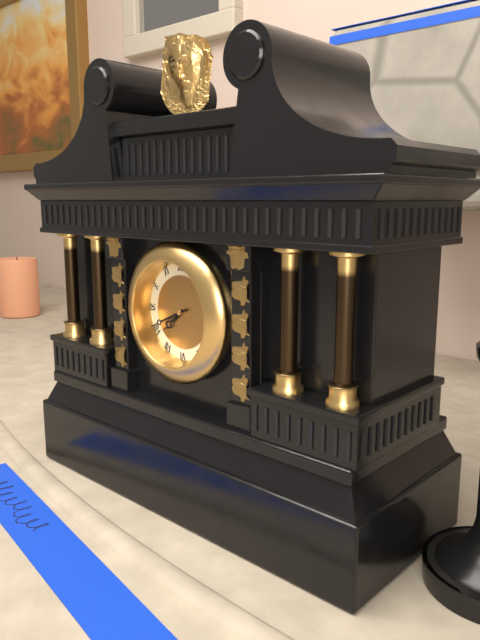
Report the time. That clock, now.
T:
7:41
